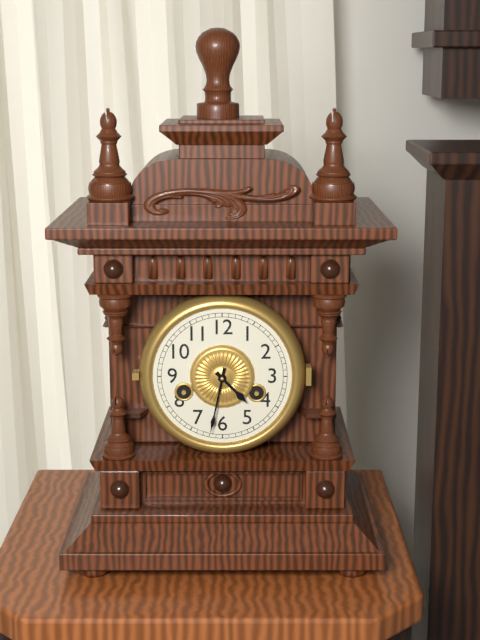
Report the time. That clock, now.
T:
4:32
